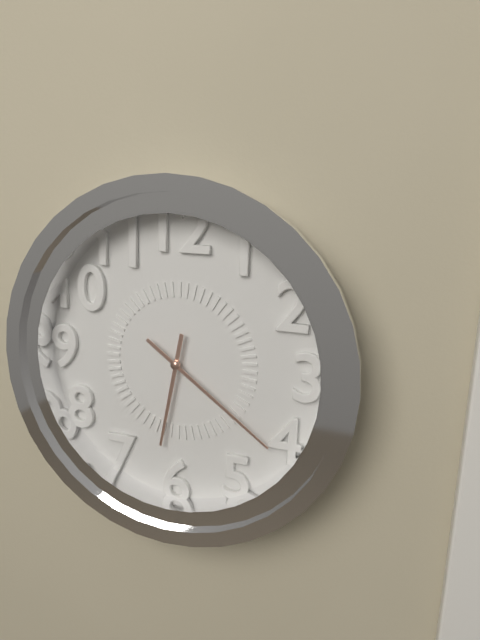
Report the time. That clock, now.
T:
6:21
